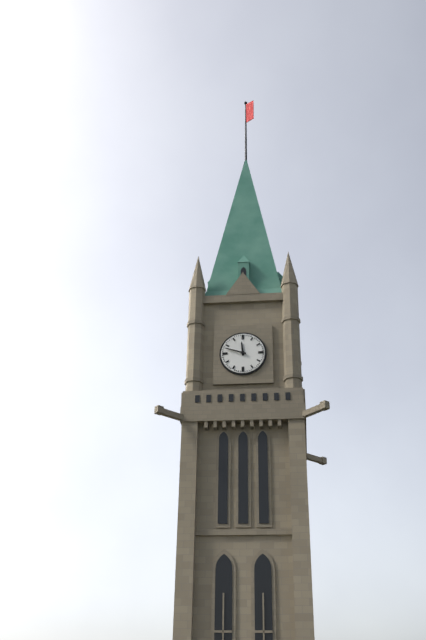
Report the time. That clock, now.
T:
11:48
